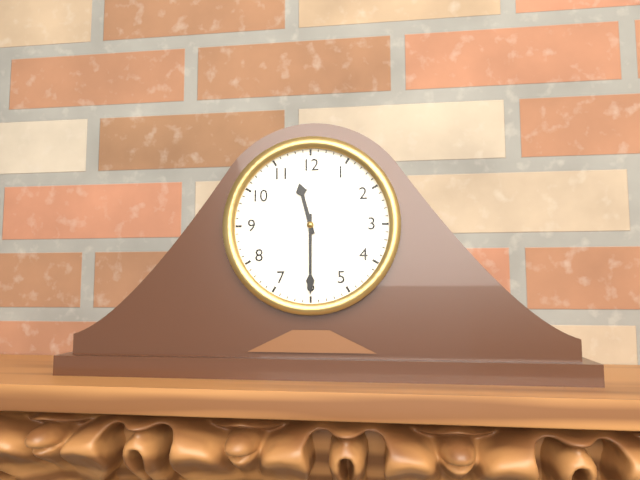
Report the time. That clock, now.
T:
11:30
